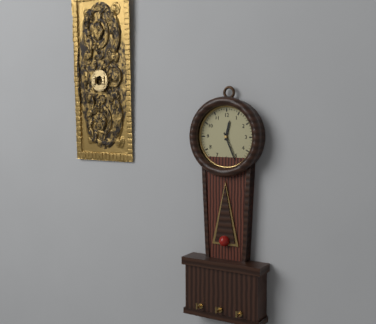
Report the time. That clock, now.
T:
12:26
